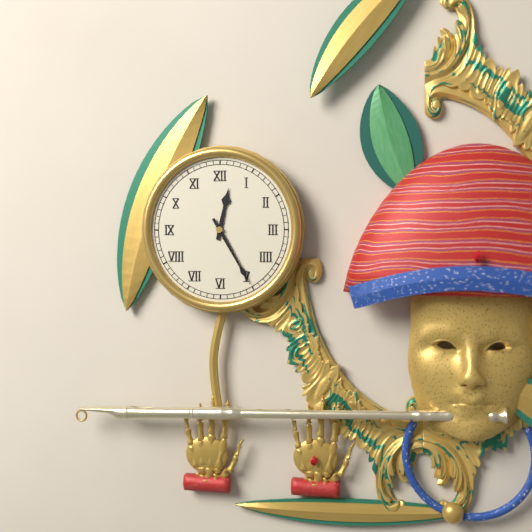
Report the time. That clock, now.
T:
12:25
